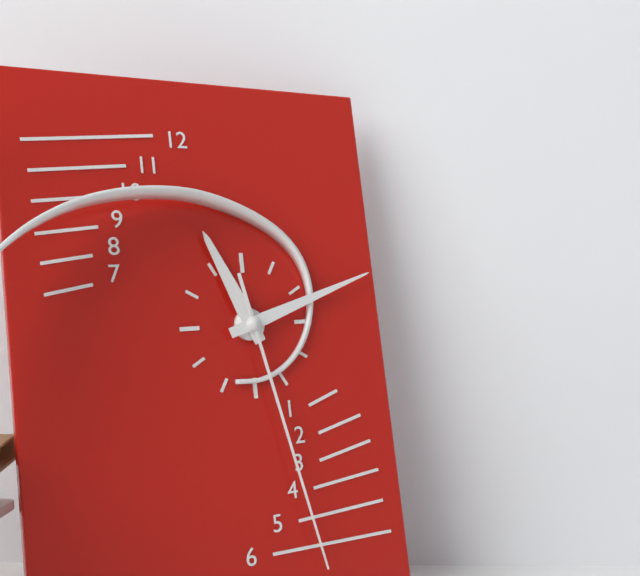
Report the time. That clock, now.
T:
11:12:28
